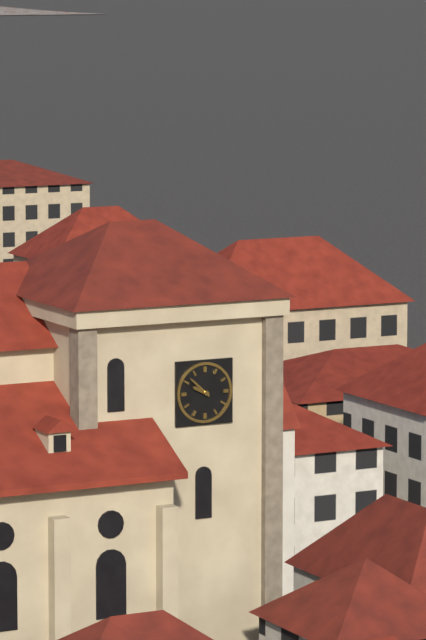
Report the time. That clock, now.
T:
9:52
